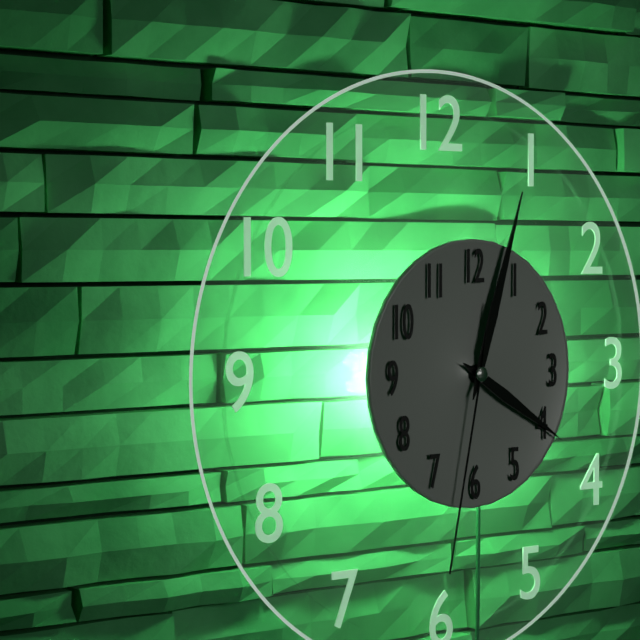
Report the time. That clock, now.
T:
4:03:32
